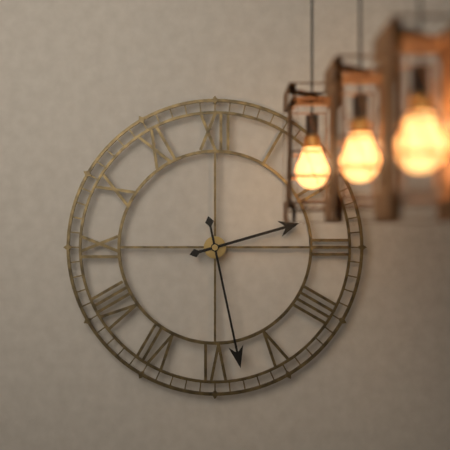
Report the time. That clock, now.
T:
2:28
